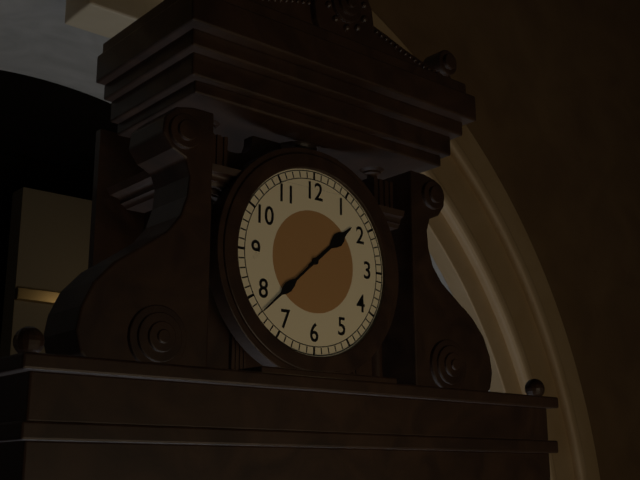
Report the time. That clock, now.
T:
1:38
